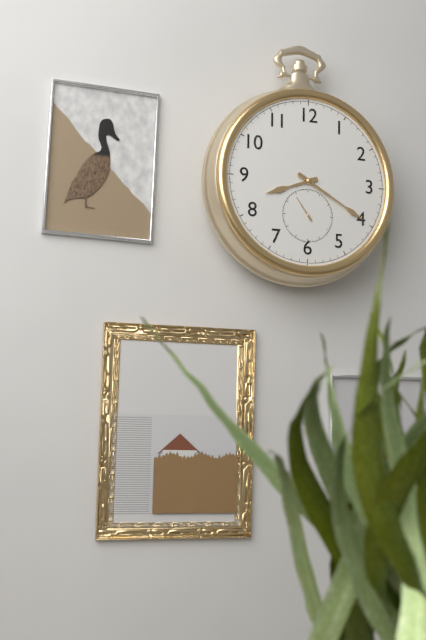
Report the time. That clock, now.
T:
8:20
